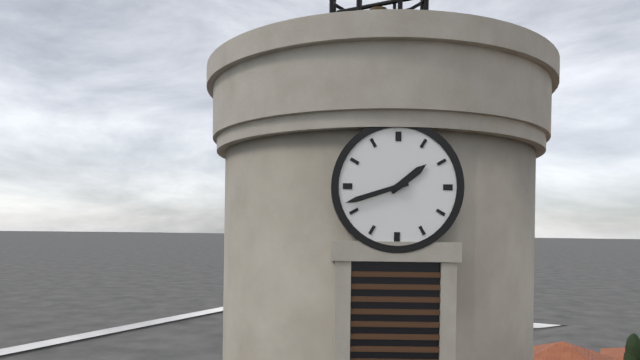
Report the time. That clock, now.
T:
1:42
